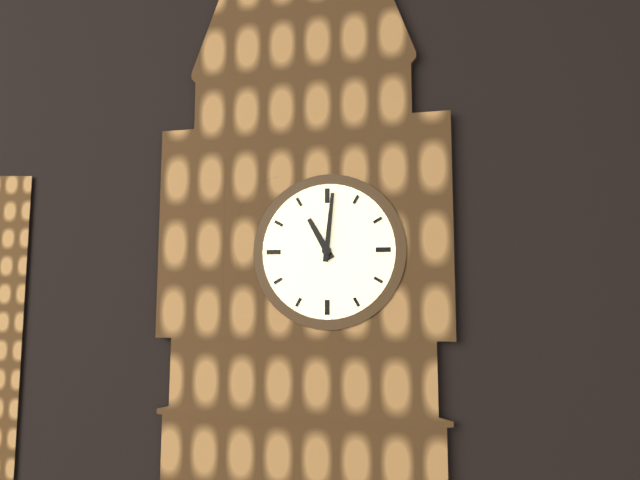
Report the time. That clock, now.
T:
11:01
